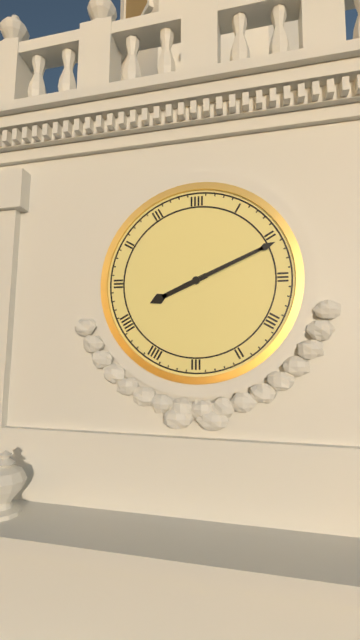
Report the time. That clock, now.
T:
8:11
